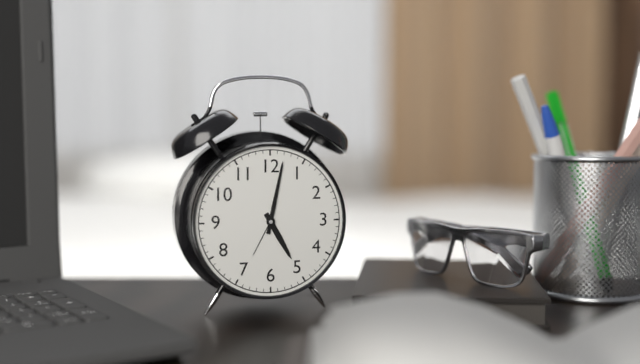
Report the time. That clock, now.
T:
5:02
